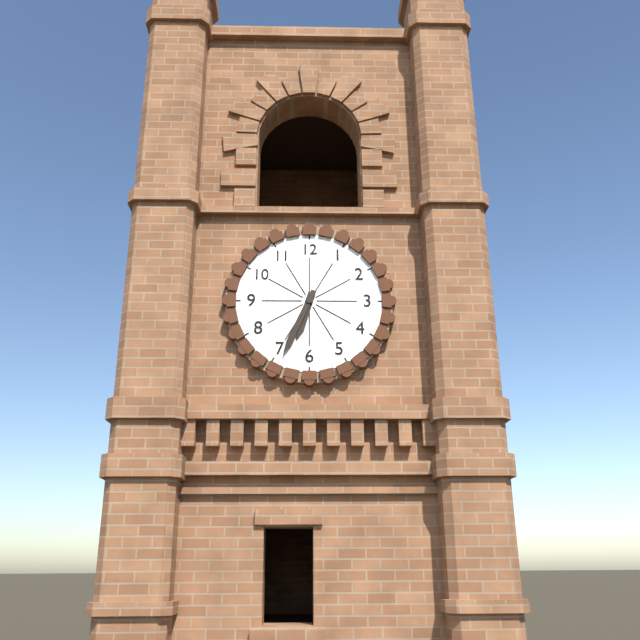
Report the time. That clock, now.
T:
6:34
